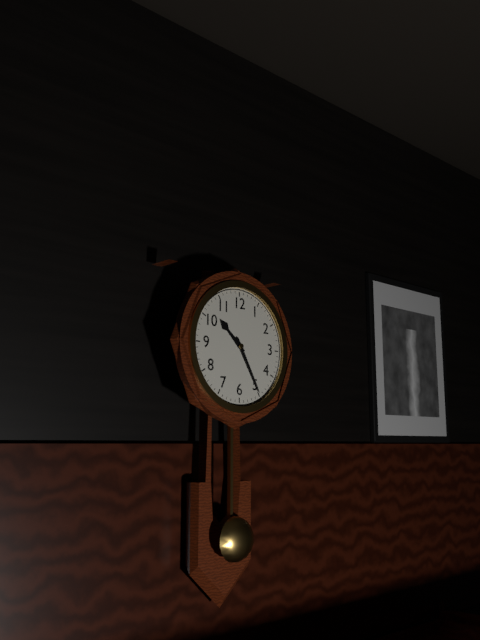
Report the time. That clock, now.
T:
10:25
